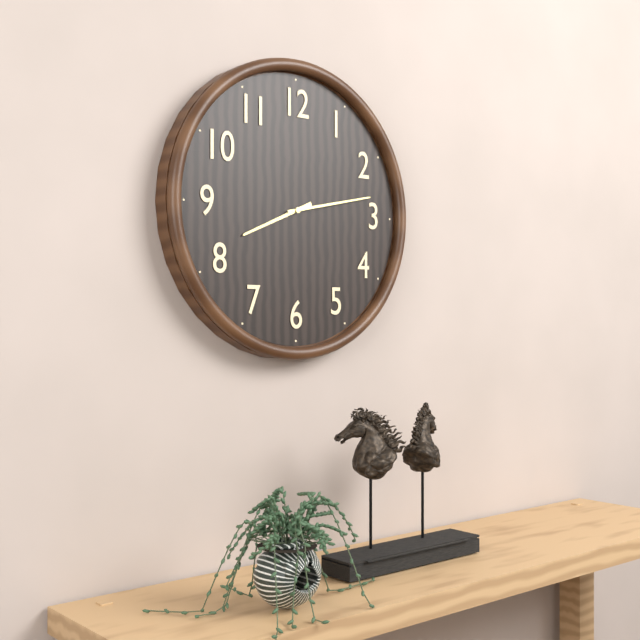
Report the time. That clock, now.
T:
8:13
